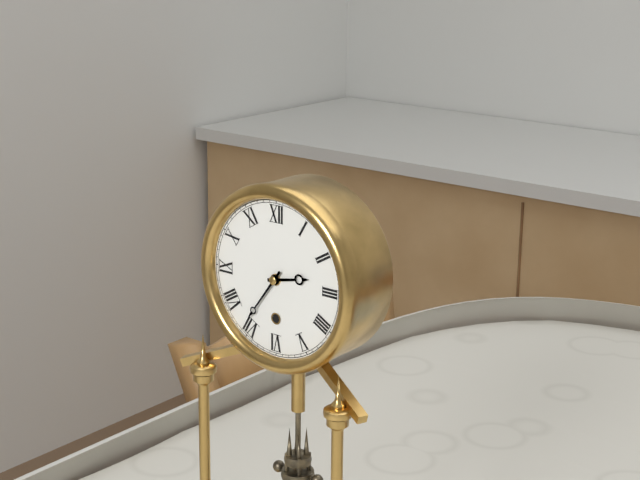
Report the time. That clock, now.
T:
2:36
